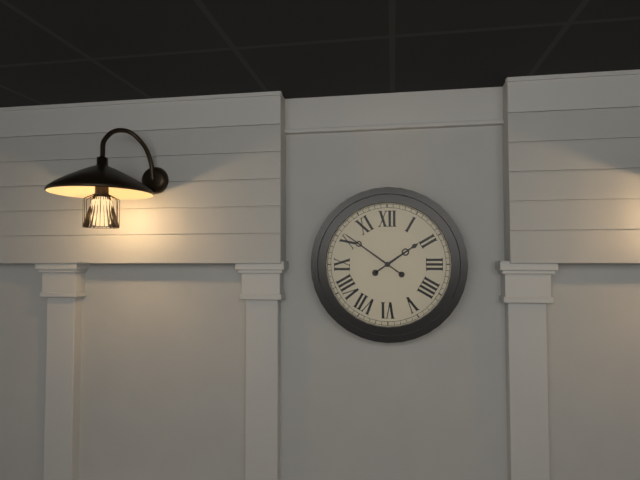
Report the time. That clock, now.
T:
1:51
